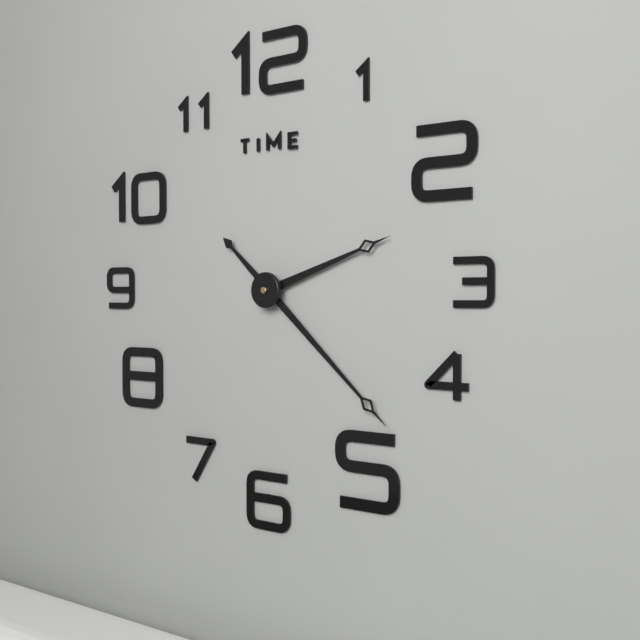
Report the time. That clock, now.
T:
2:22
